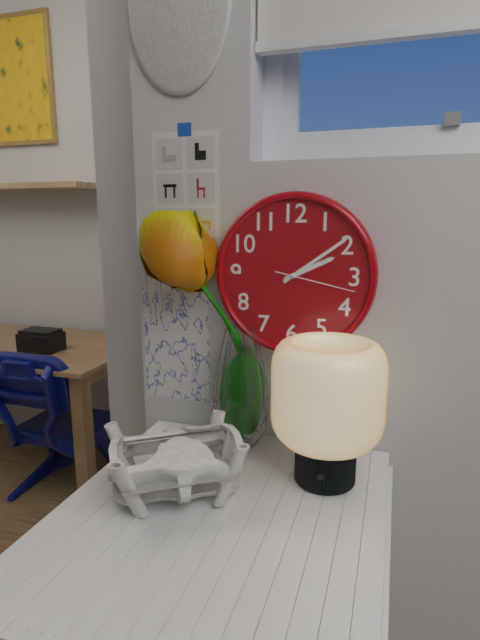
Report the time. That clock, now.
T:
2:09:17
